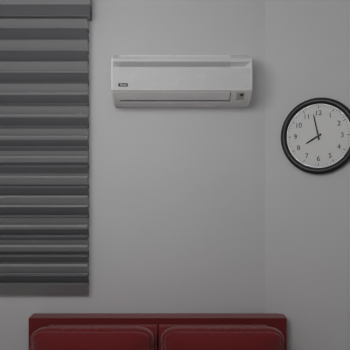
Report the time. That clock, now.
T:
7:58
